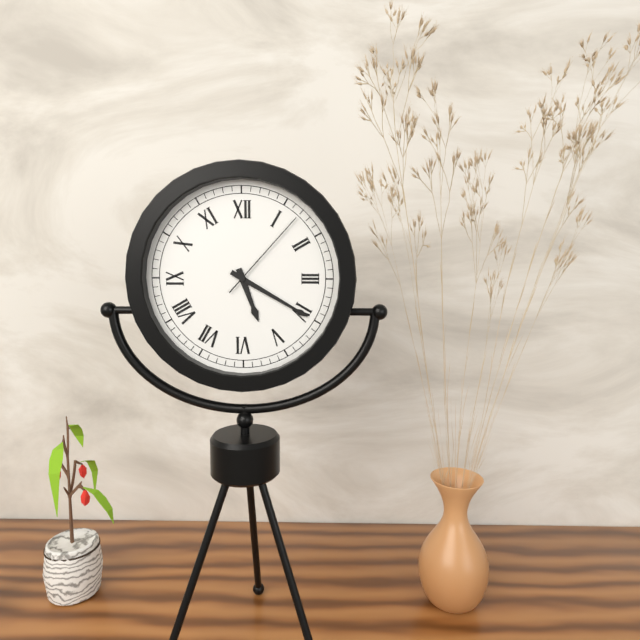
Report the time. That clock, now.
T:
5:20:07
